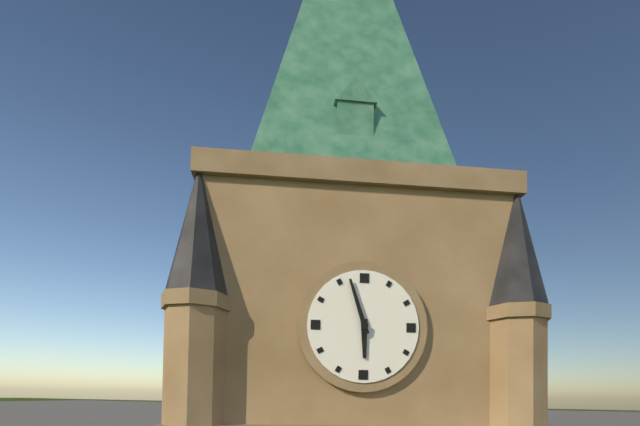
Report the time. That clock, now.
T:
5:57
